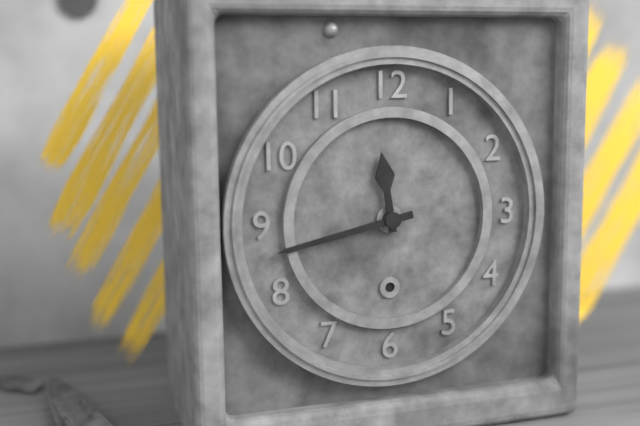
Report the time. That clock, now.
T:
11:43
